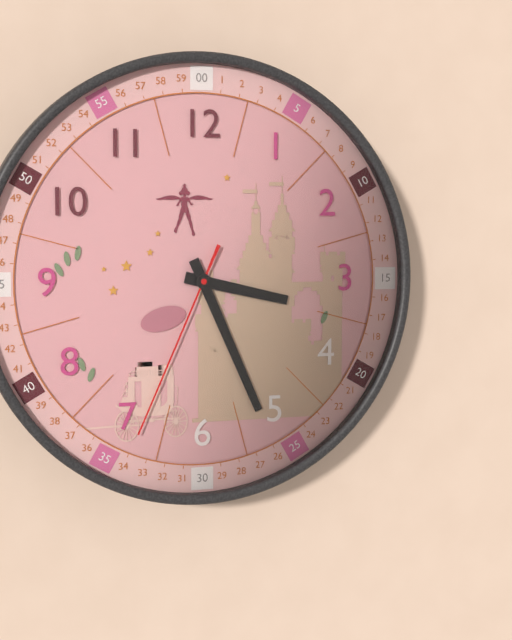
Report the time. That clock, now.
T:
3:26:34
